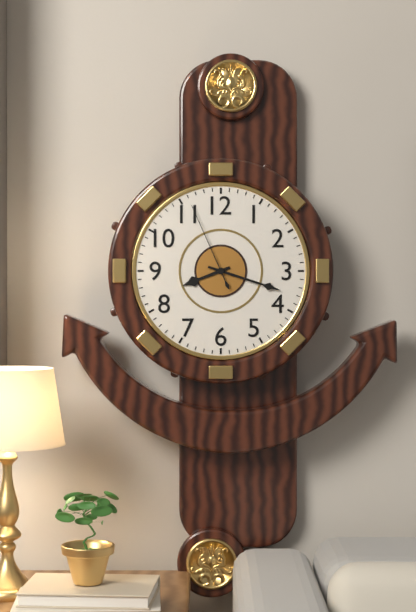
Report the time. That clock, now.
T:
8:18:56
